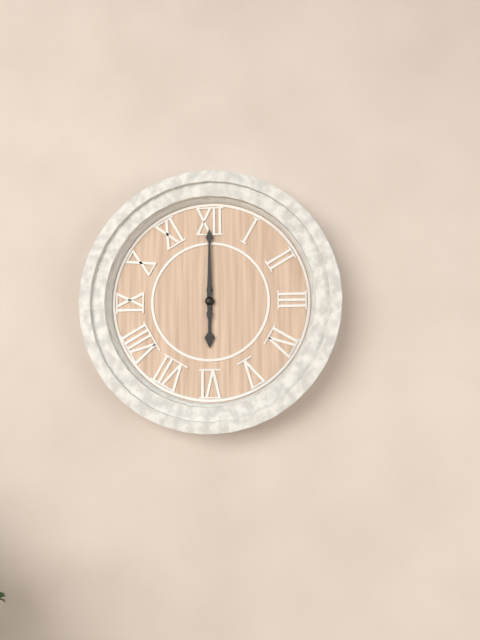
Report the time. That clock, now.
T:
6:00
